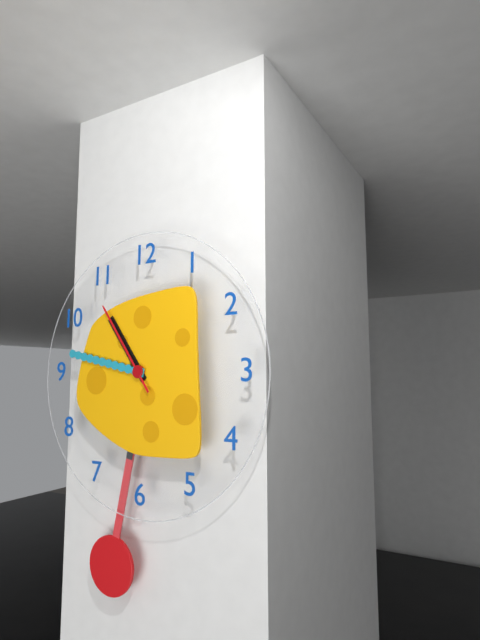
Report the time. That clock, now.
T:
10:47:54
